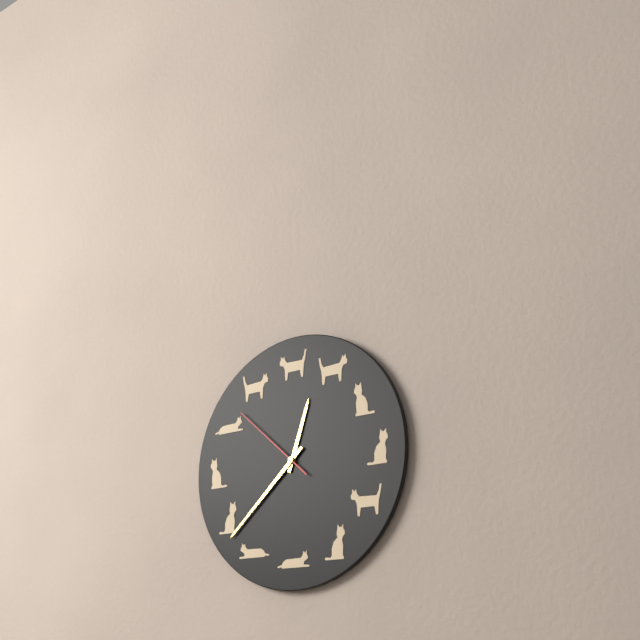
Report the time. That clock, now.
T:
12:38:52
